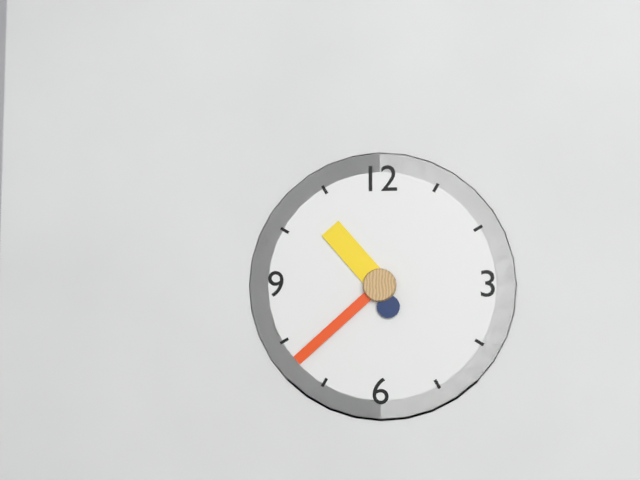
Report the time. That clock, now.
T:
10:38
